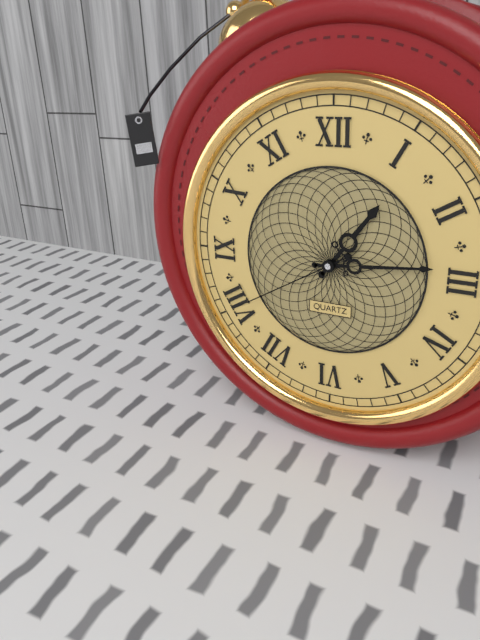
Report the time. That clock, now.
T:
1:14:40
